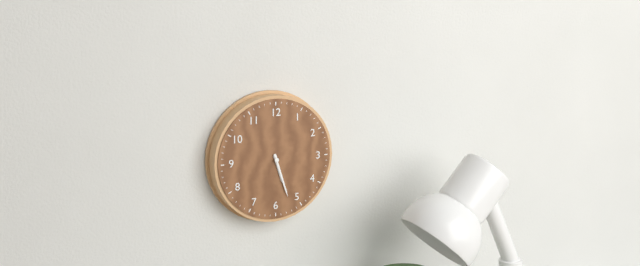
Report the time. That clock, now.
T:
5:27
